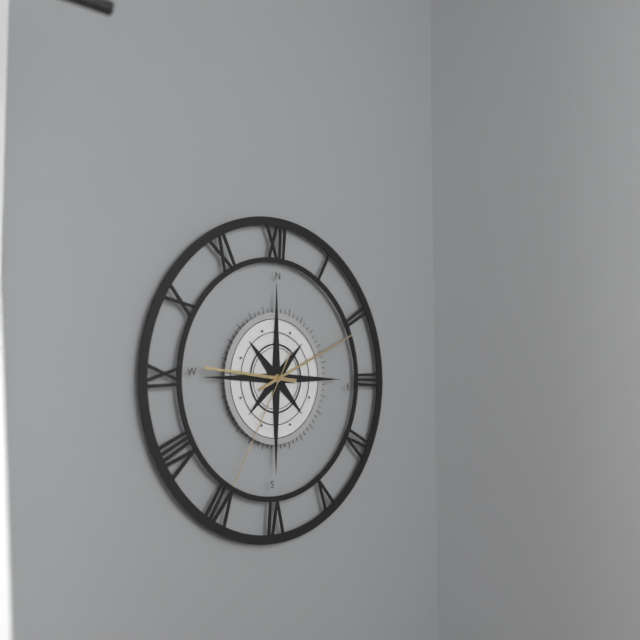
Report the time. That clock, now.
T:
9:11:35
